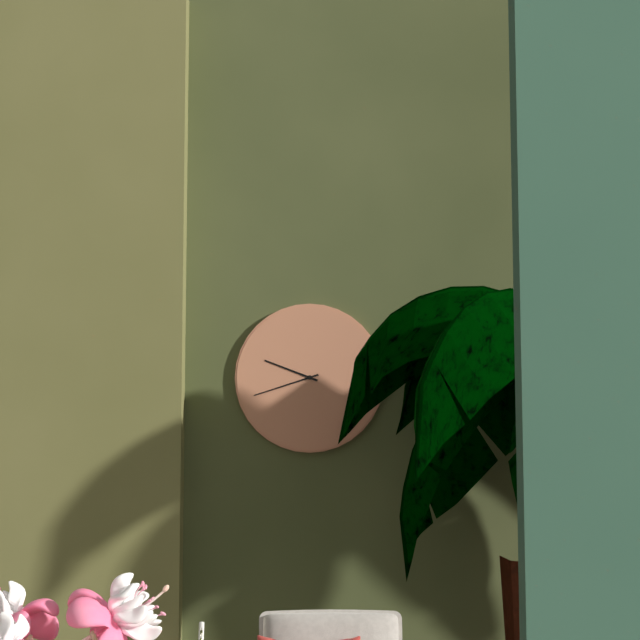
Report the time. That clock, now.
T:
9:42
